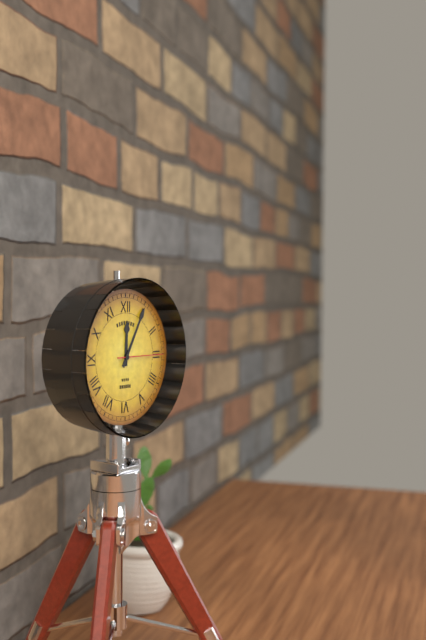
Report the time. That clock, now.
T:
12:05
